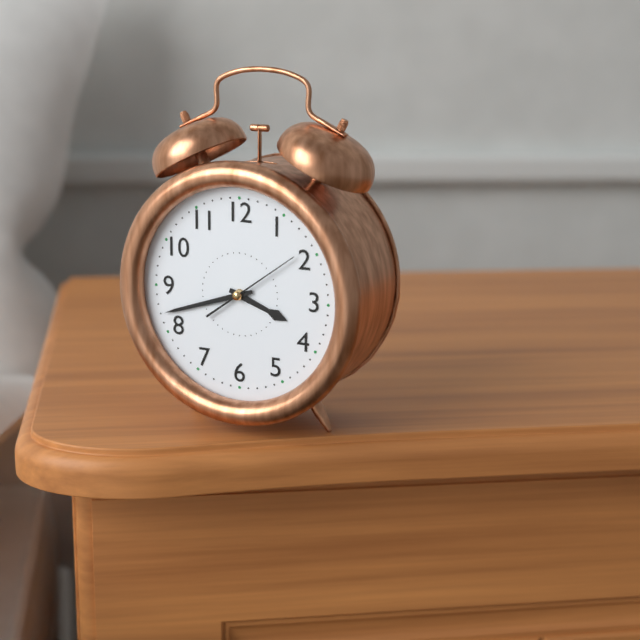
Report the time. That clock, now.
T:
3:42:09
